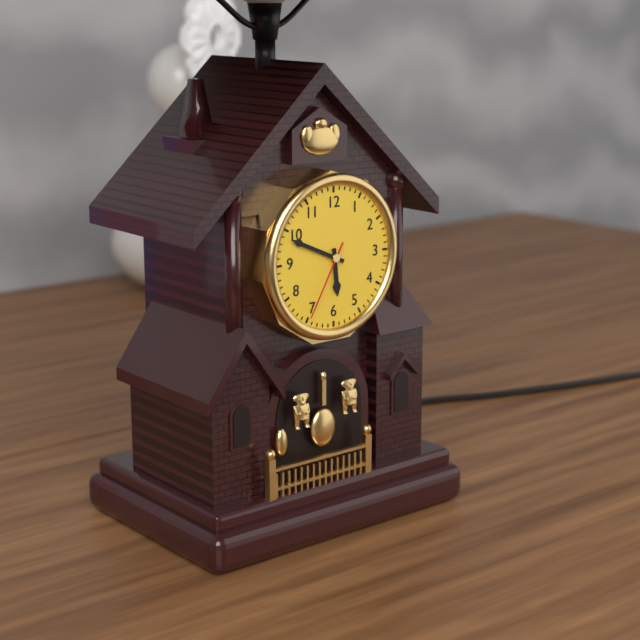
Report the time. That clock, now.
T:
5:49:35
